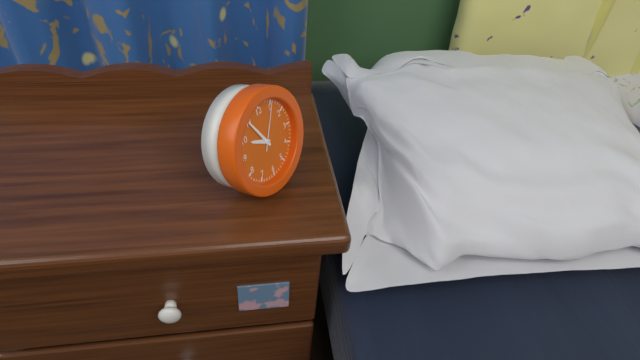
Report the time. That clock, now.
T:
9:55
